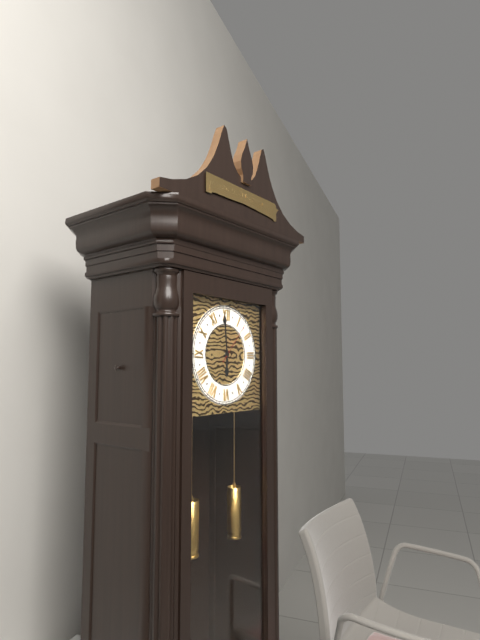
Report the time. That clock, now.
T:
5:59
